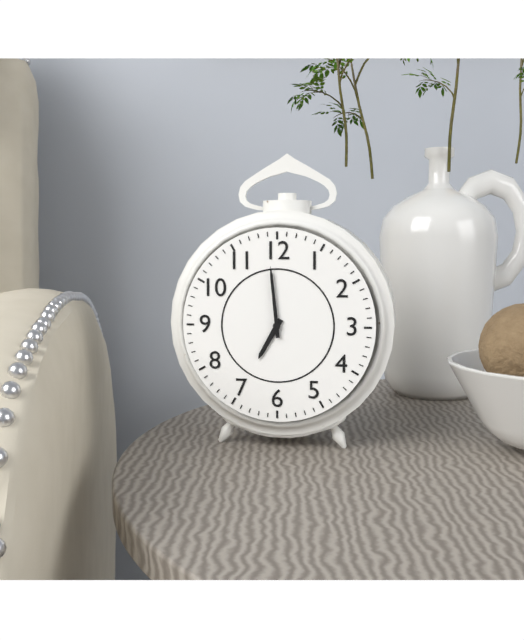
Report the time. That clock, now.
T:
6:59
